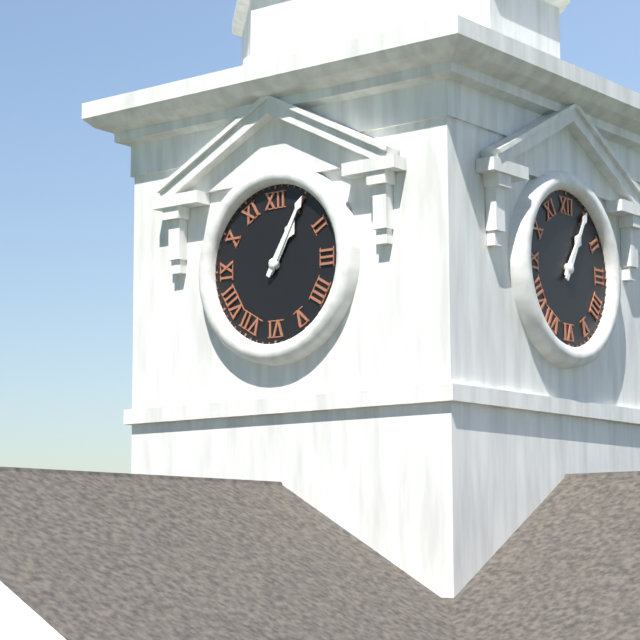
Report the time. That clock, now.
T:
1:05
